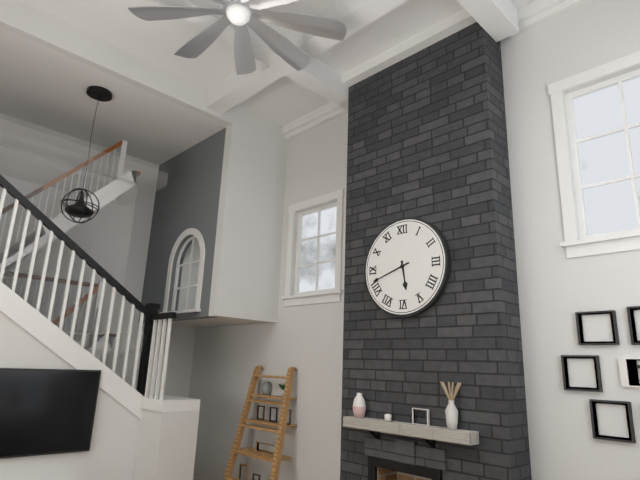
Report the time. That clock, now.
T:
5:42
